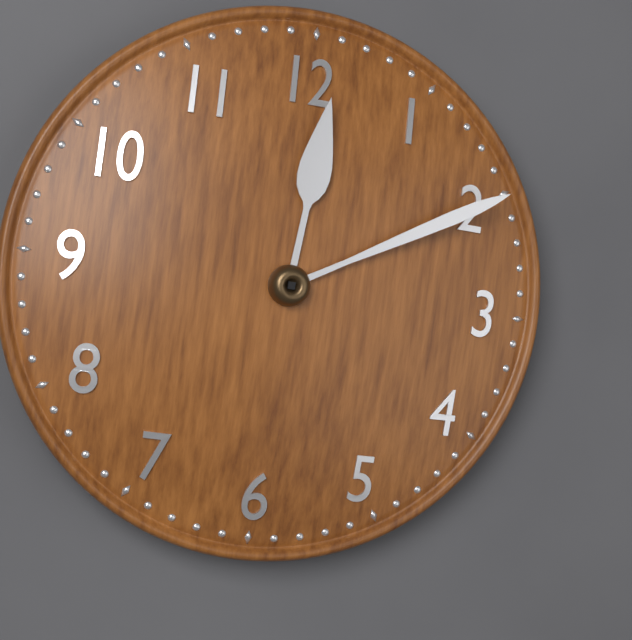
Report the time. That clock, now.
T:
12:10
